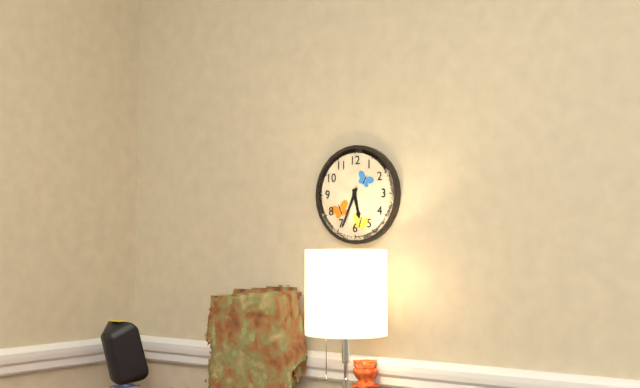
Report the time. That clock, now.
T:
5:34
